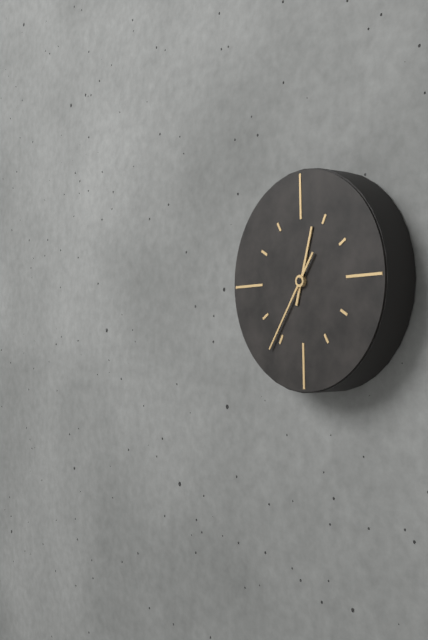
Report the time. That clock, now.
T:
12:36
